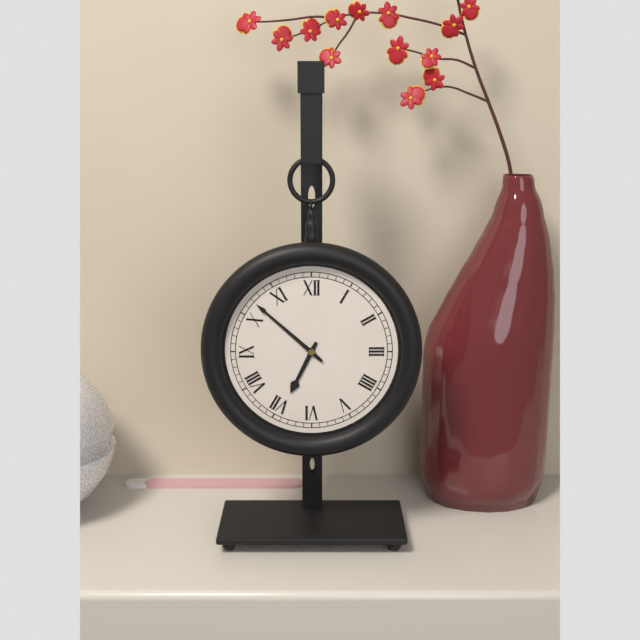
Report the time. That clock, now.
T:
6:52
